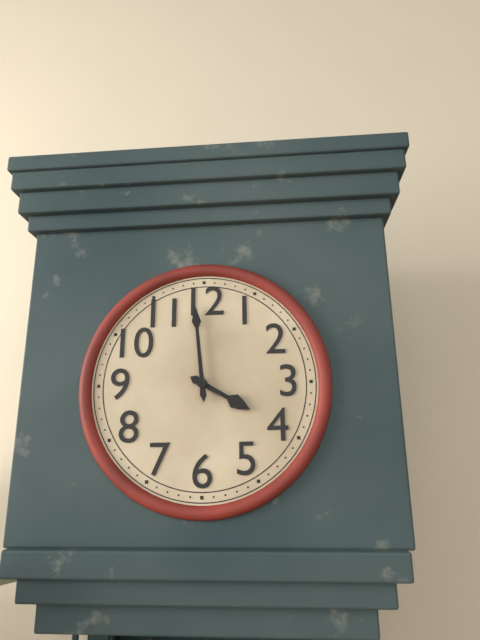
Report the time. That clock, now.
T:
3:59
